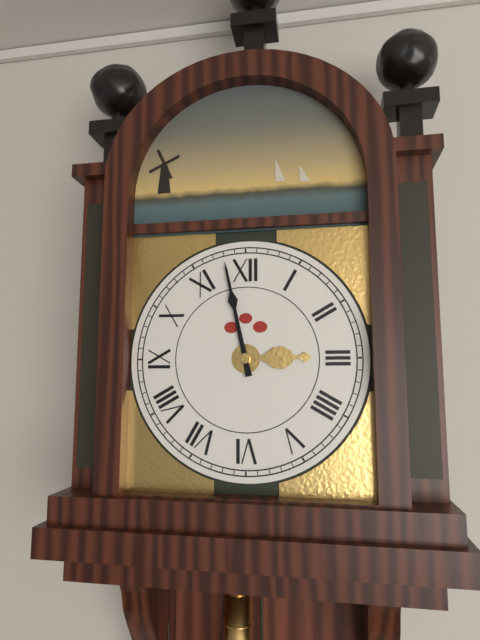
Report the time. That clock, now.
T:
2:58
